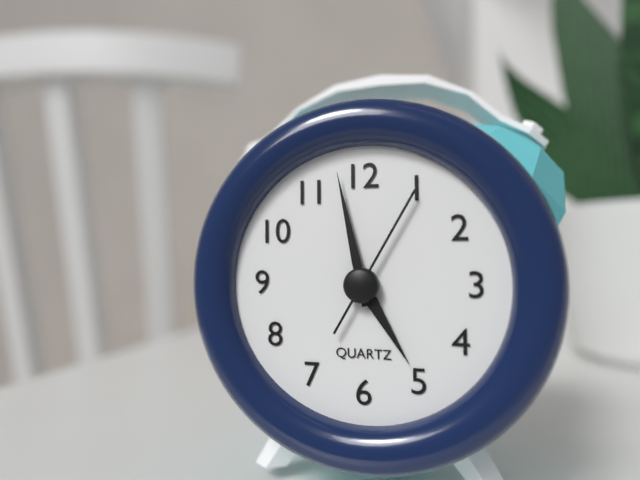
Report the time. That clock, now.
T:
4:58:05
